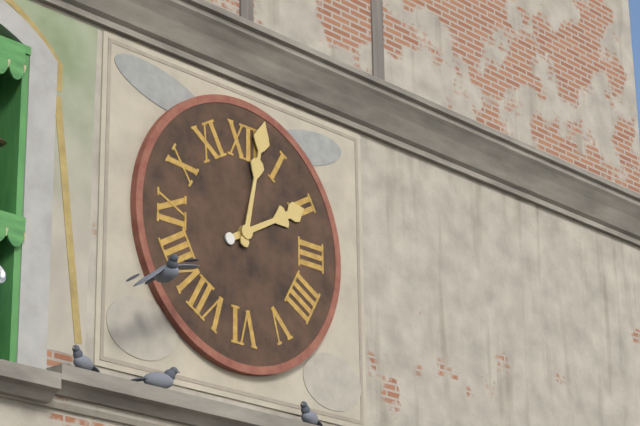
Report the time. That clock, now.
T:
2:02
